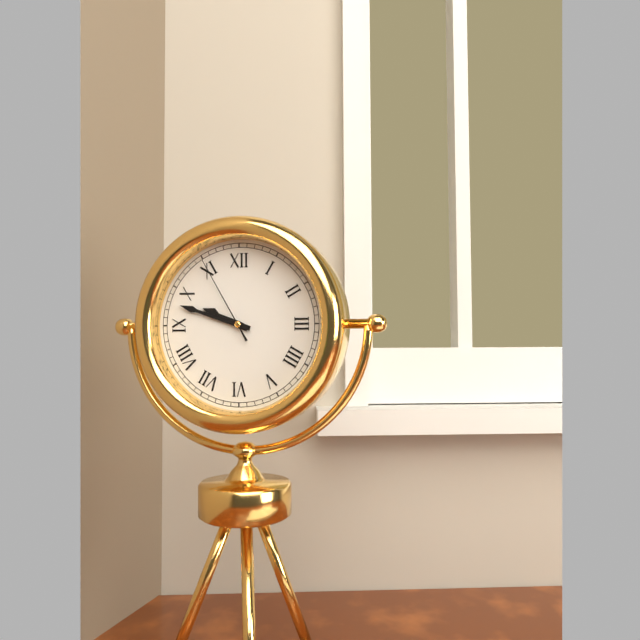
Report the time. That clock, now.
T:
9:48:55
